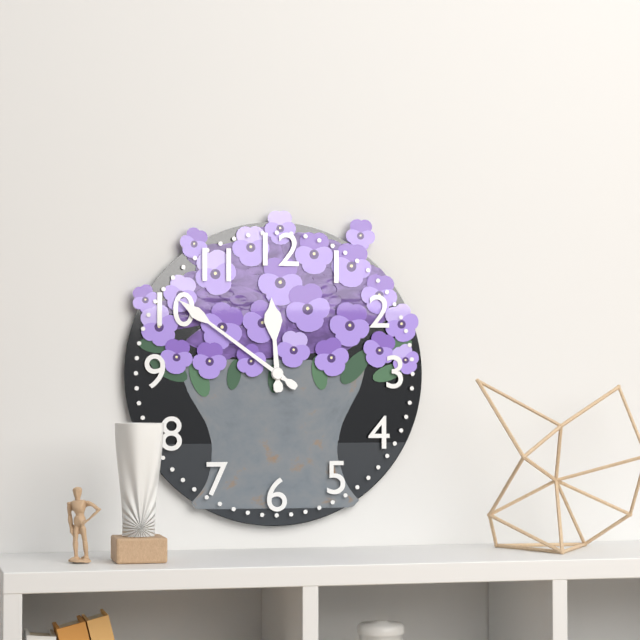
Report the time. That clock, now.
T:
11:51
